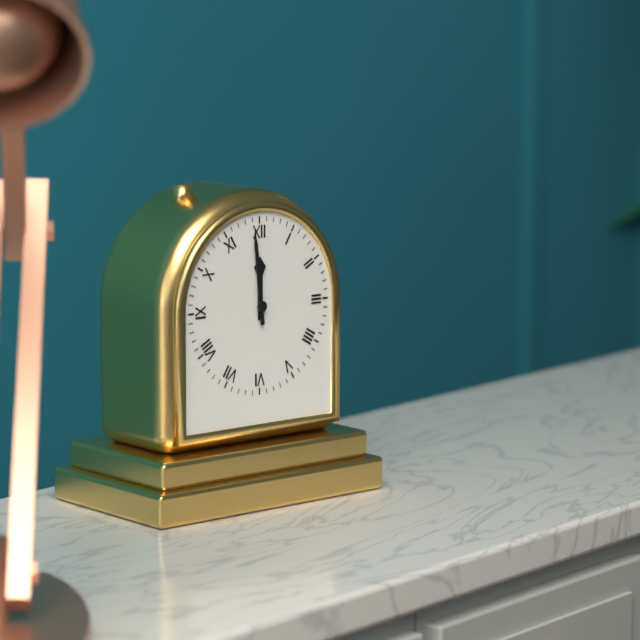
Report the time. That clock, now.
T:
11:59
